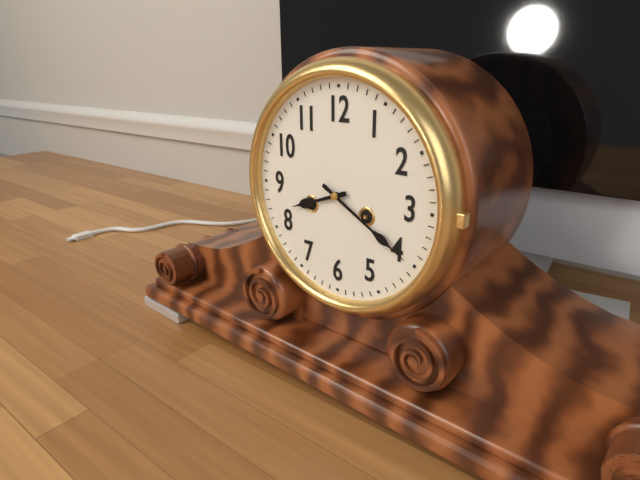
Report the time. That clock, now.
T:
8:20
